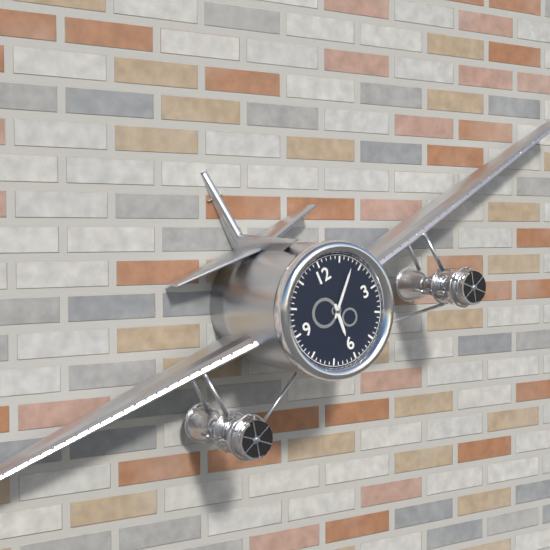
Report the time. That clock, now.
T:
6:08
